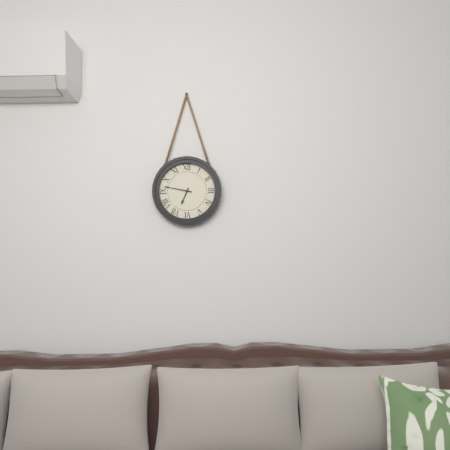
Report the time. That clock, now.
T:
6:47
